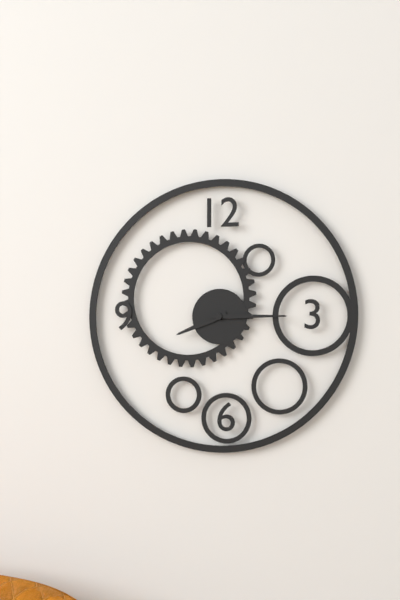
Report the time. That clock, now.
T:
8:15
